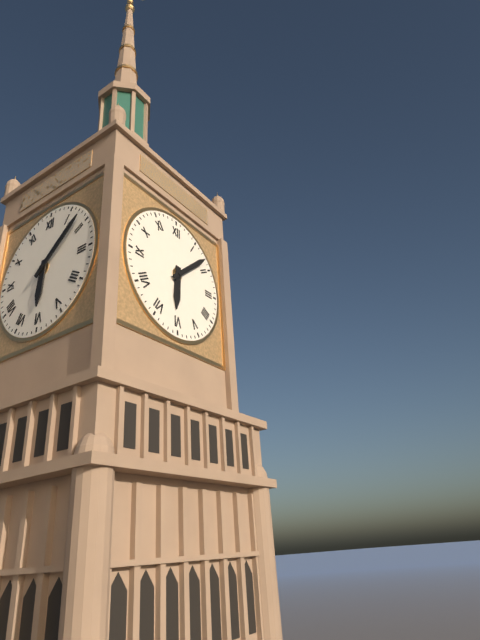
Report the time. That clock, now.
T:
6:08
